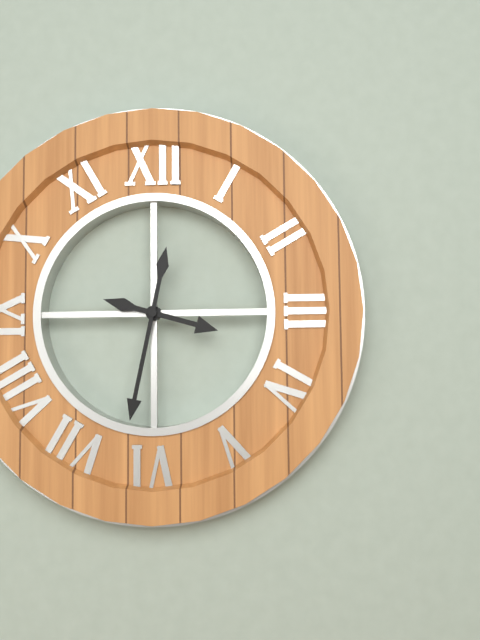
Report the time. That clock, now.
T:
3:32
